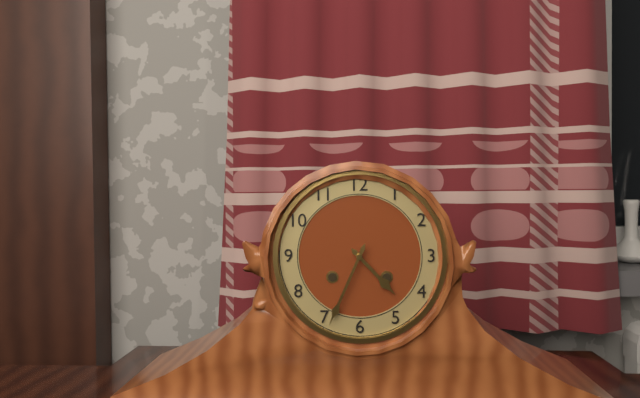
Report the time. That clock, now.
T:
4:34
